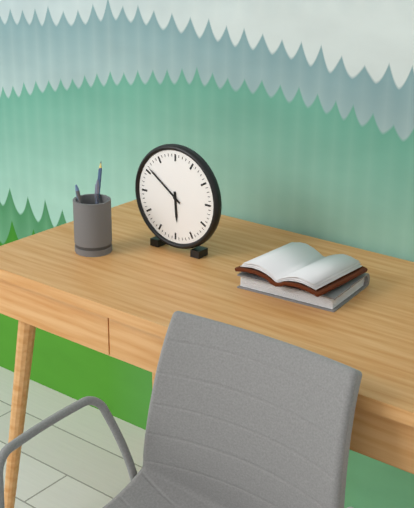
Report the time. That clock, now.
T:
5:51
